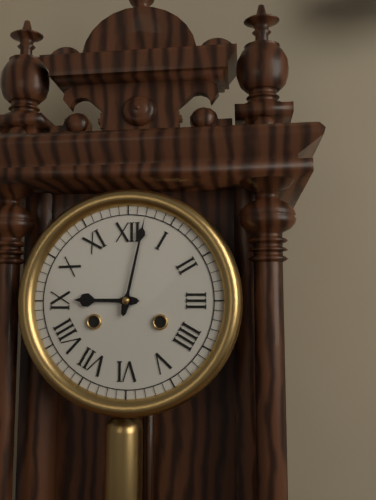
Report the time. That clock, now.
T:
9:02
